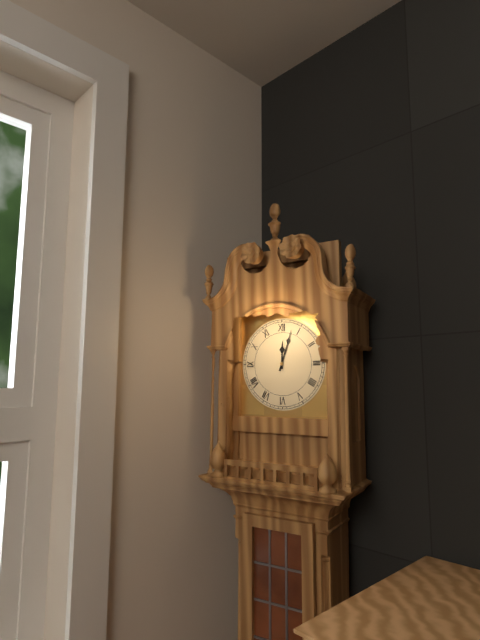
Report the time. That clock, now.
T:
12:03
